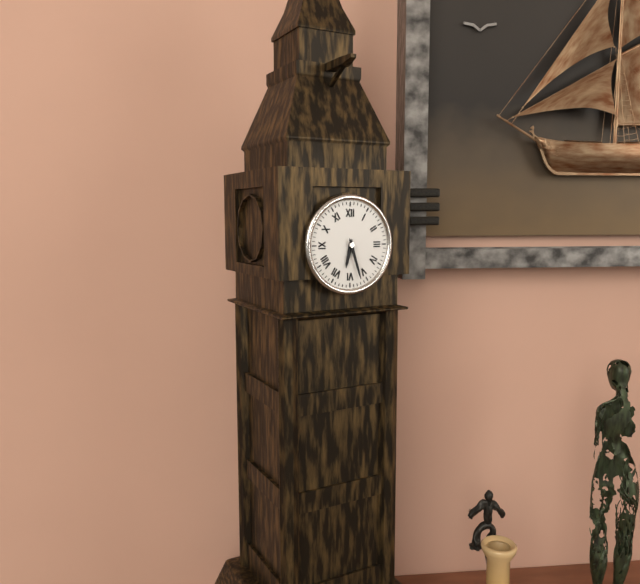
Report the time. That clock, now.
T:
6:27
